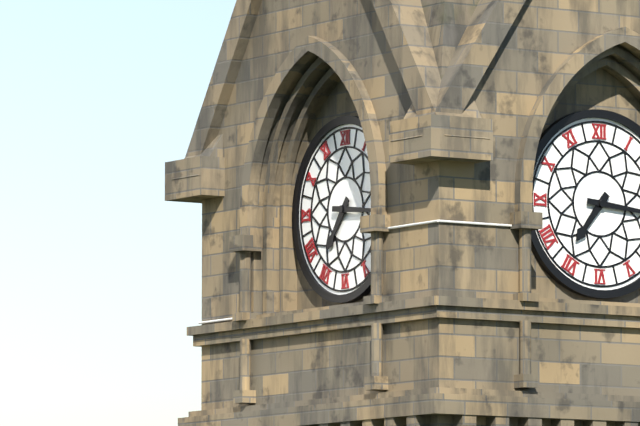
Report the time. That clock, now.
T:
7:16
